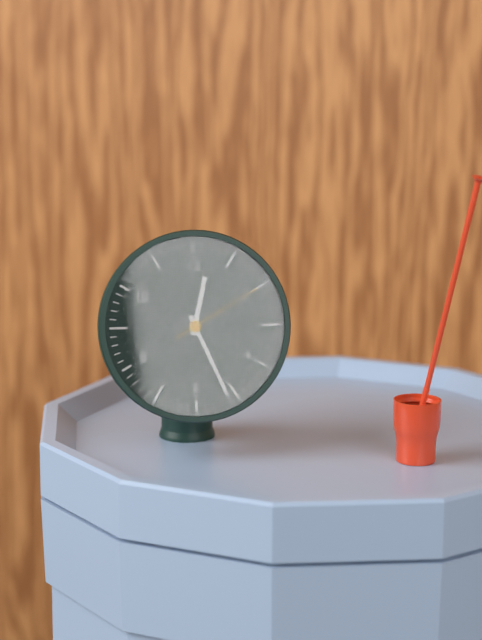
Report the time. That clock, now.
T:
12:26:10
